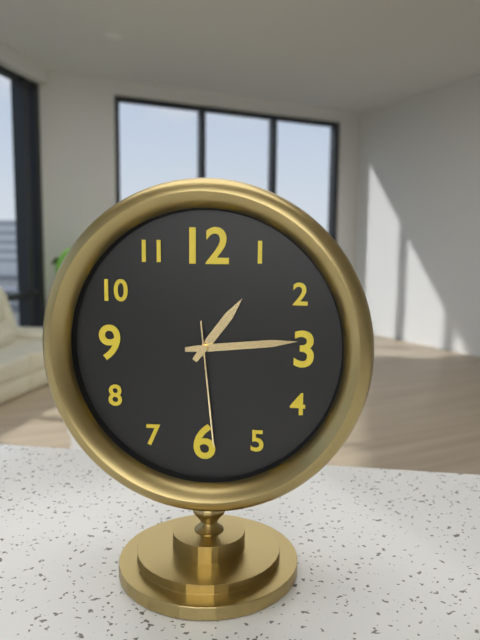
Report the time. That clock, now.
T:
1:14:29
